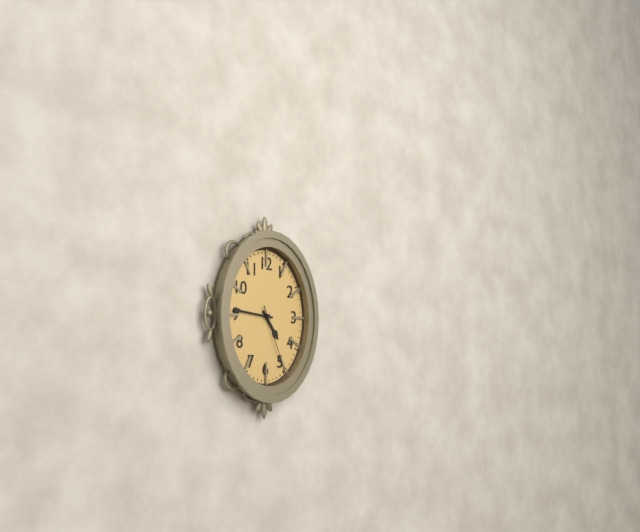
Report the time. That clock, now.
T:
4:46:26
